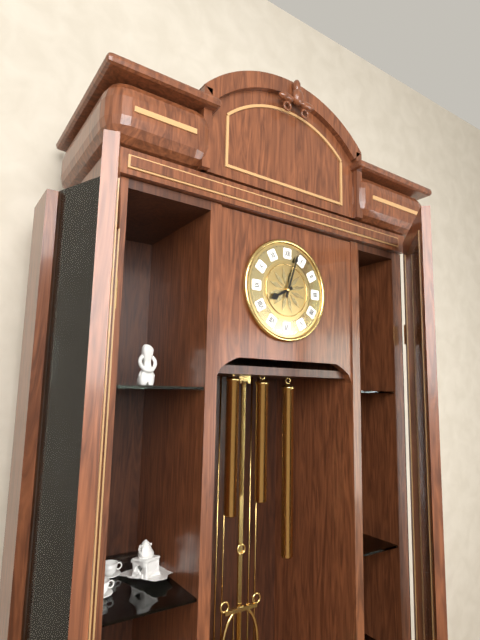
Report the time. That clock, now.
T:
8:03
